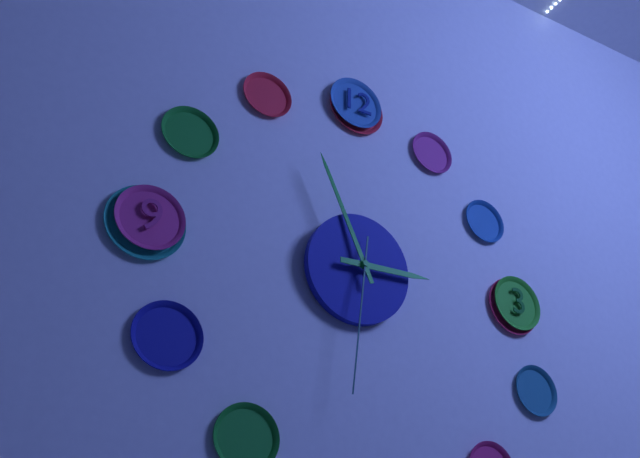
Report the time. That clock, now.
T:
2:56:31
